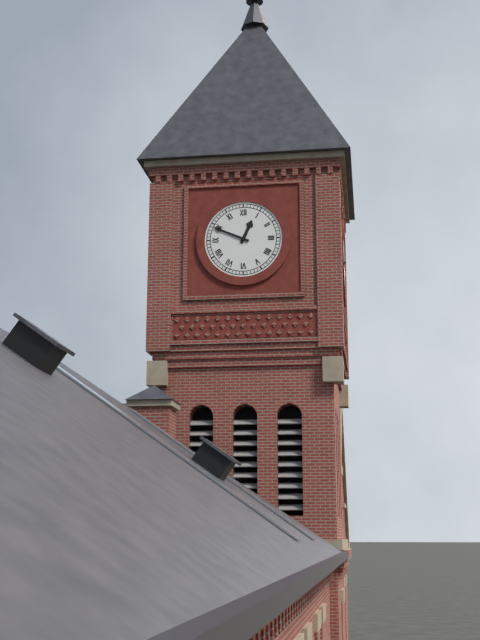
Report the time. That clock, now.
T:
12:49
